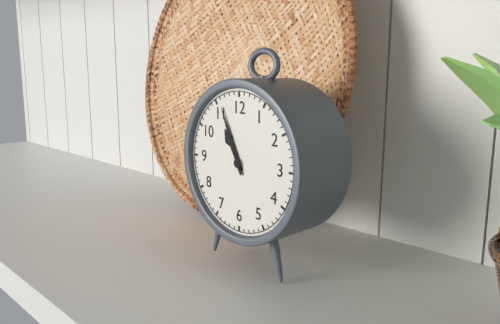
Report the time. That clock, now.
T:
10:56
